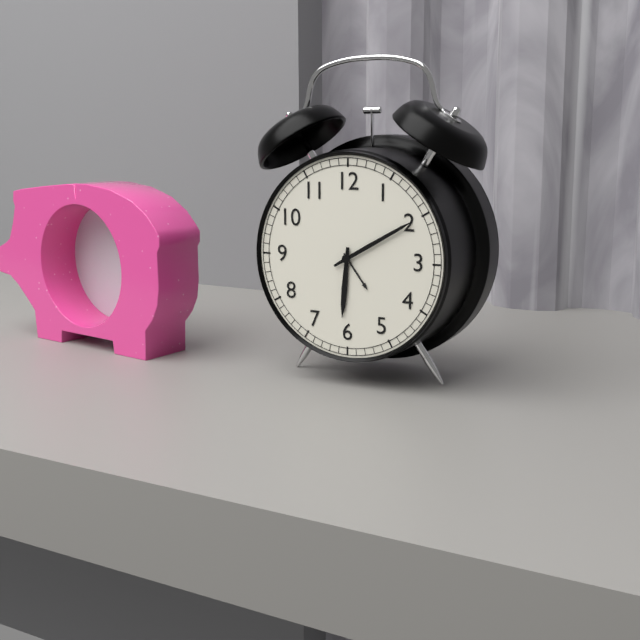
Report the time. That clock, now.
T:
6:10
